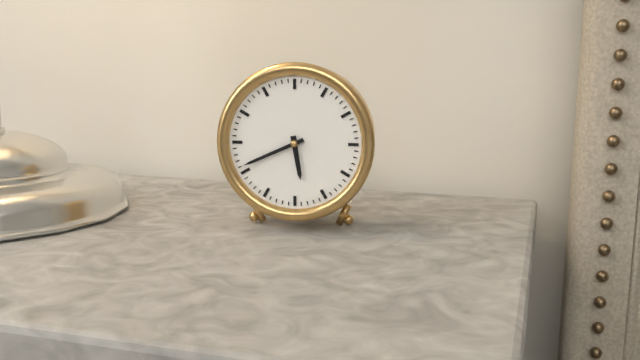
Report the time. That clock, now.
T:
5:41
